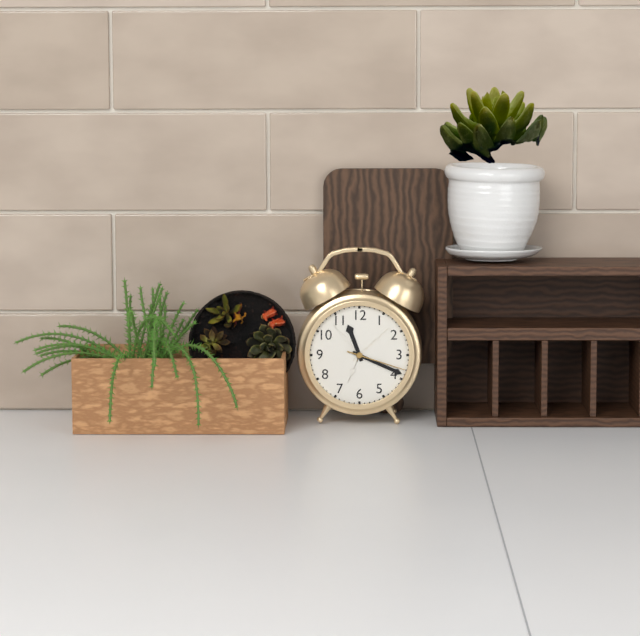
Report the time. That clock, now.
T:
11:19:18
